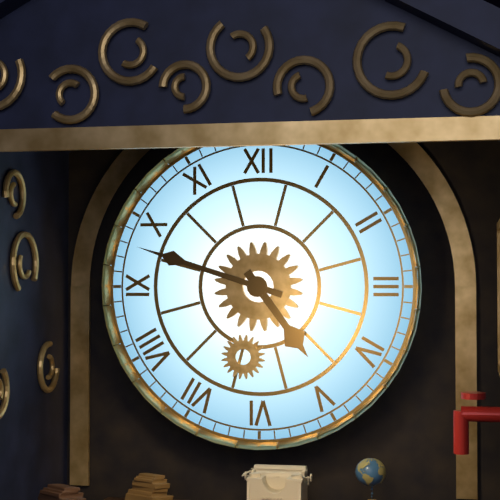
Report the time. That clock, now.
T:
4:48
